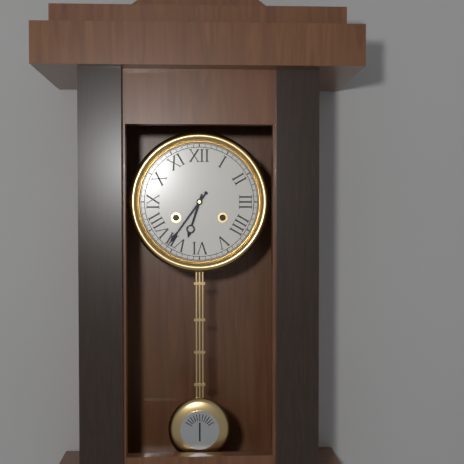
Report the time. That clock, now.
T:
6:36
